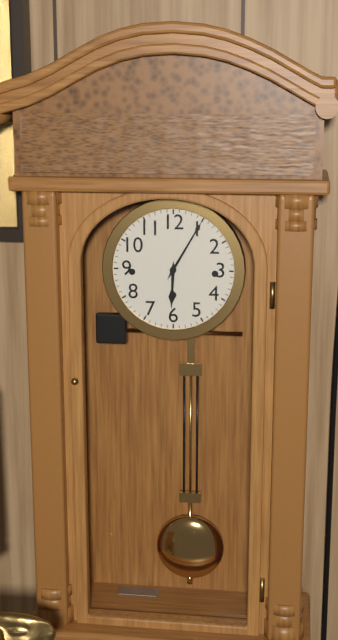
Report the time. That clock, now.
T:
6:05
